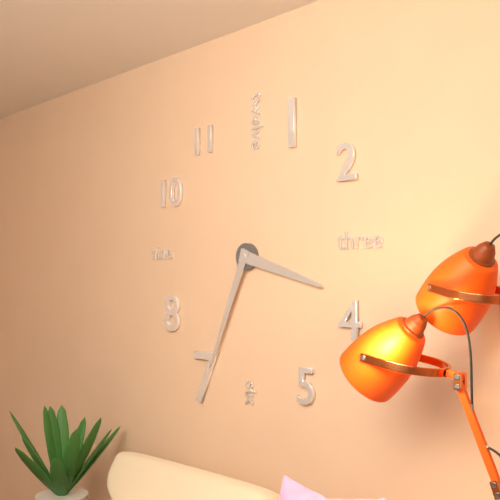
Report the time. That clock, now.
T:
3:34
